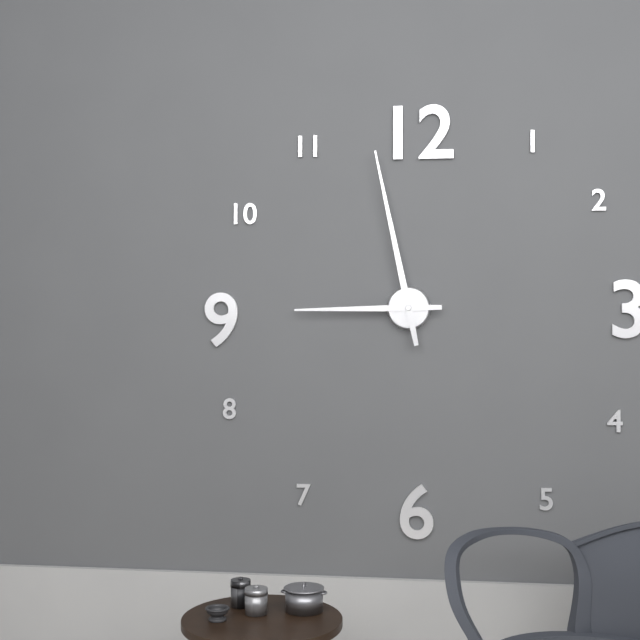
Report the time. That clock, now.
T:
8:58
